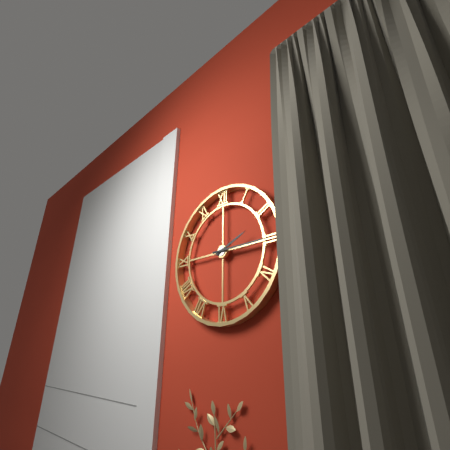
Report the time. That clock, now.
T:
2:15
